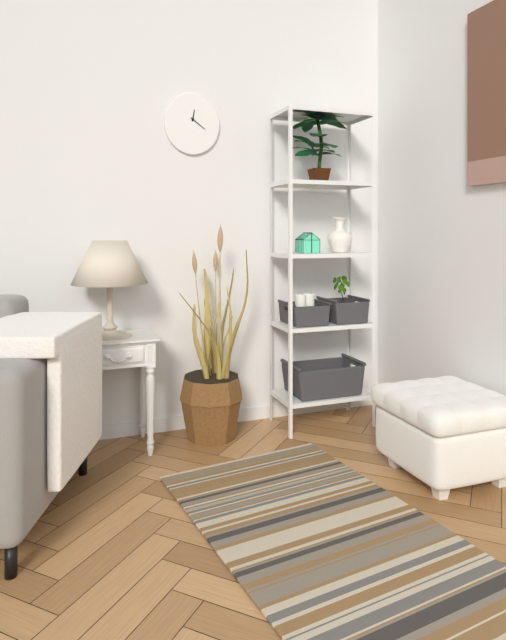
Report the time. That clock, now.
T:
12:21
